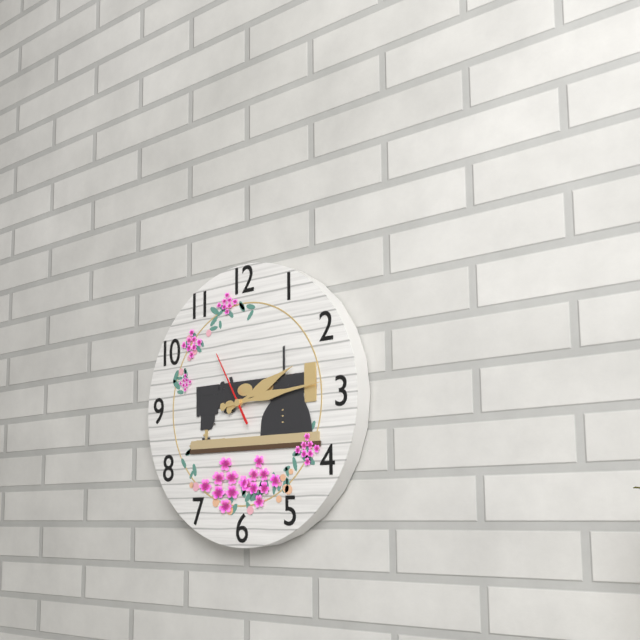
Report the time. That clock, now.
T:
2:14:55
